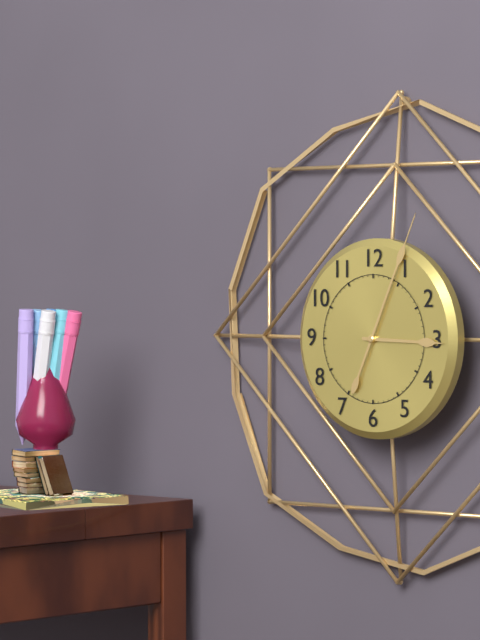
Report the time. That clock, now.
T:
3:04
